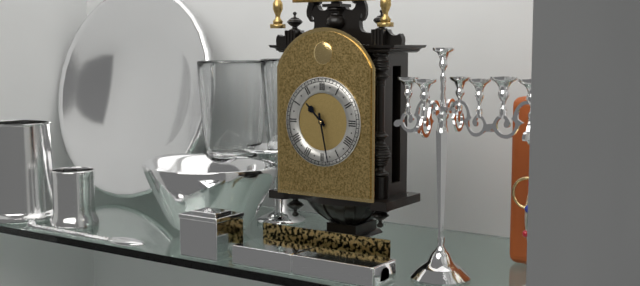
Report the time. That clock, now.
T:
10:28
